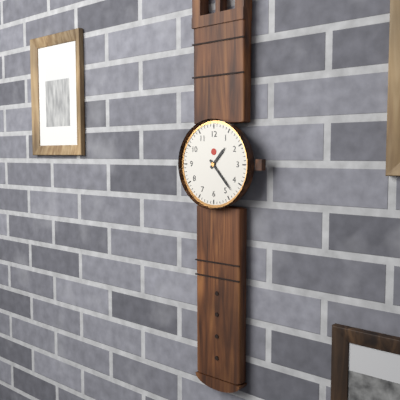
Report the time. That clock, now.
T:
1:23
